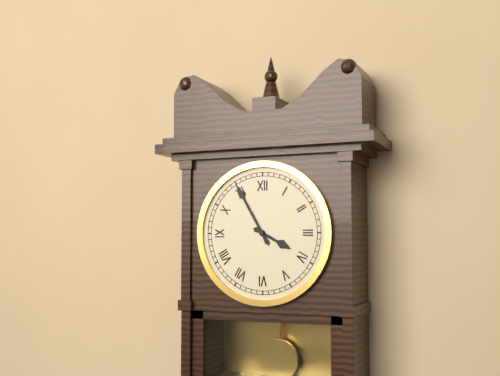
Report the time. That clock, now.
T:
3:55
